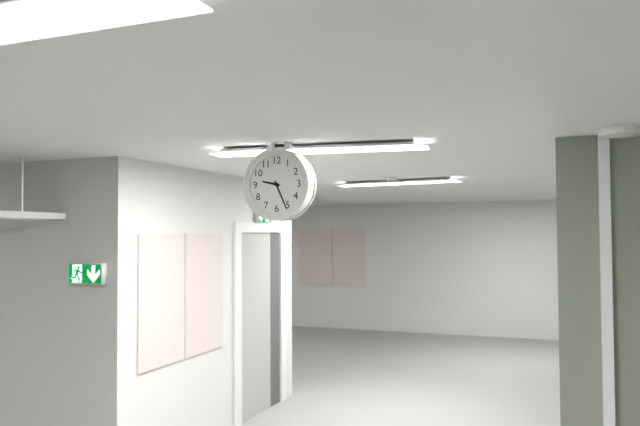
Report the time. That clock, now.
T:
9:26
